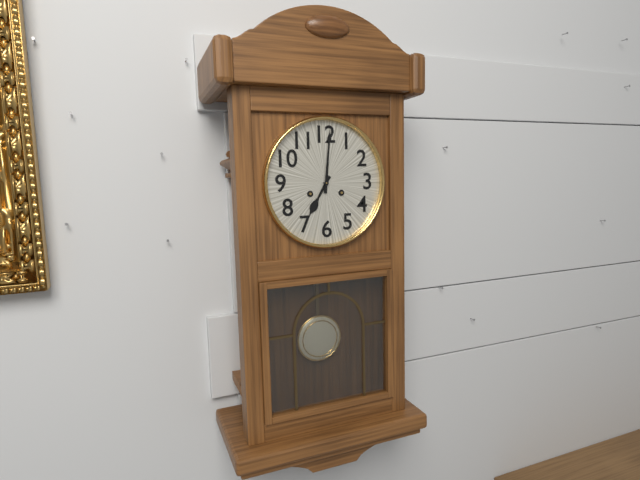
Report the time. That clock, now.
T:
7:01
